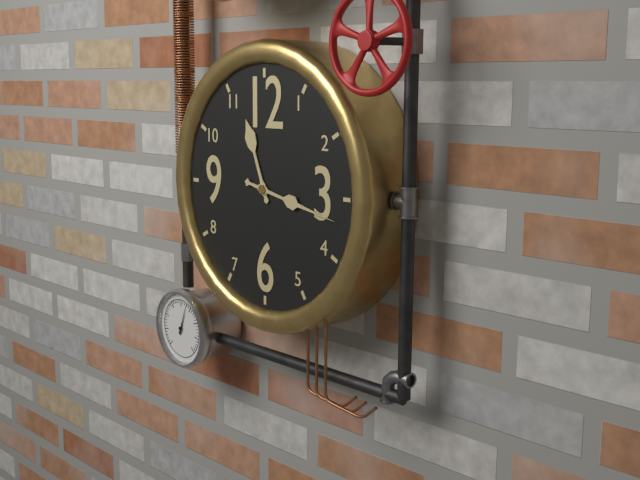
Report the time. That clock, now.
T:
11:17
